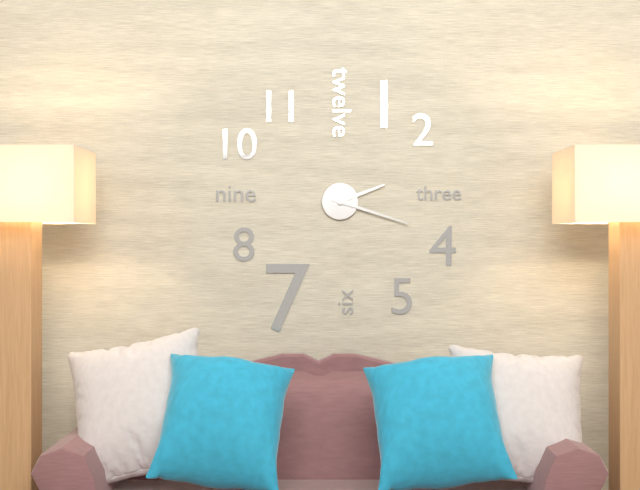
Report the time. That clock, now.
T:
2:18
